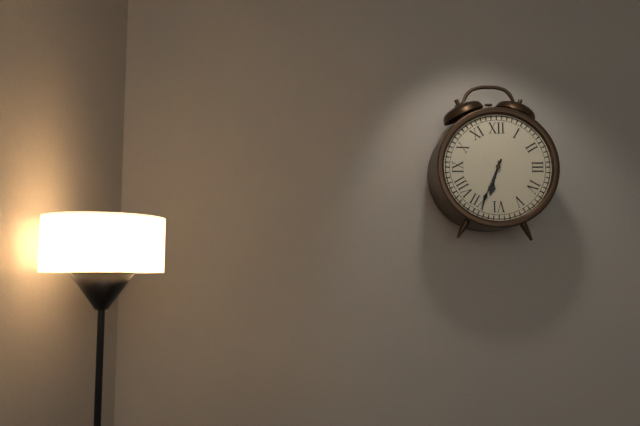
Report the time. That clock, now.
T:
6:34
